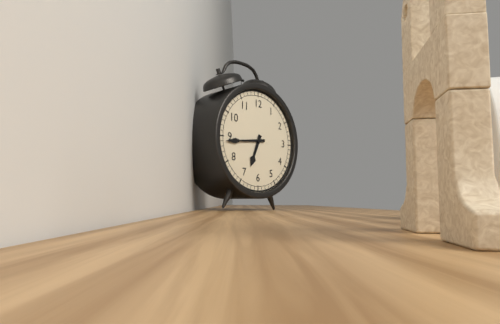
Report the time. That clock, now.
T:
6:44
